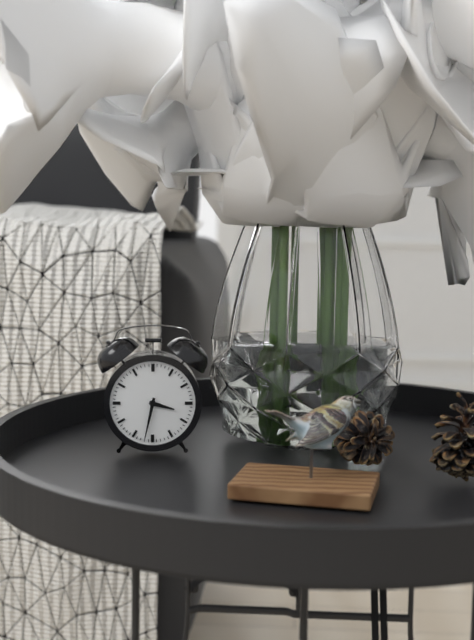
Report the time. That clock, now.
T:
3:32
